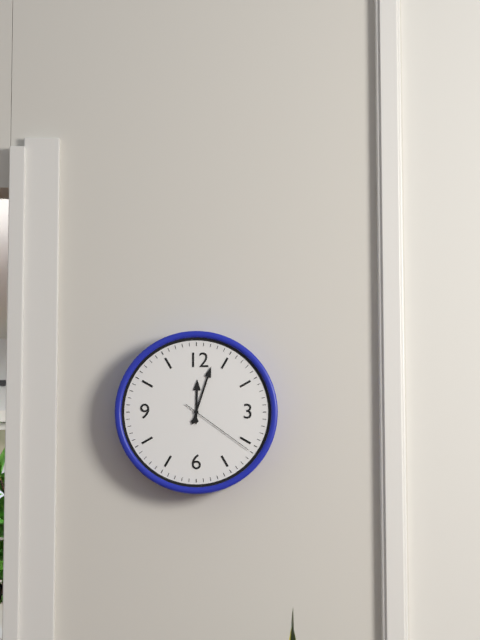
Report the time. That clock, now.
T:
12:03:21
